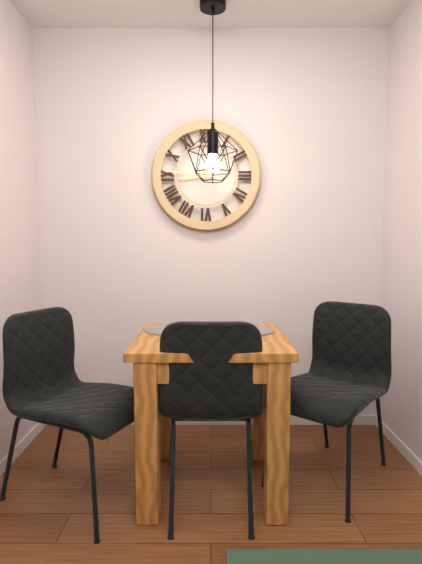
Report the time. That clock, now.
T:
8:46
